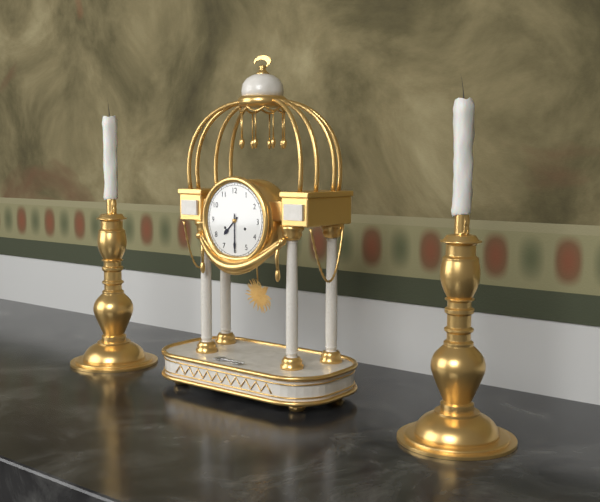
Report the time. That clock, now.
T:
7:30
